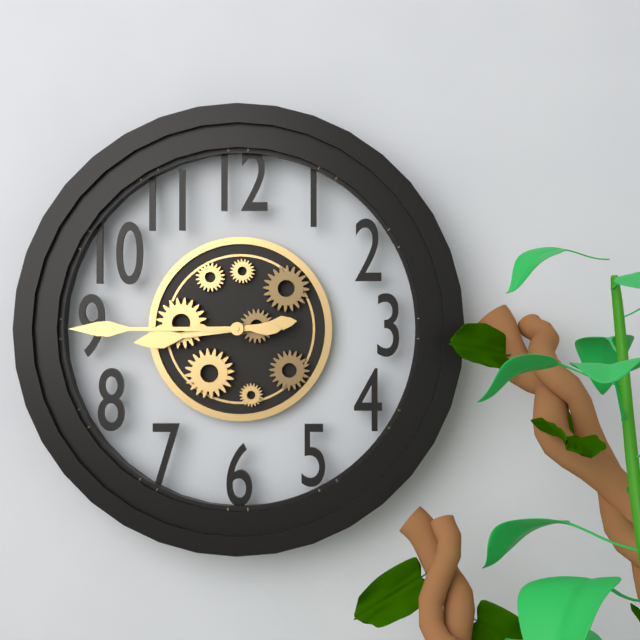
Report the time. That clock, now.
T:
8:45
